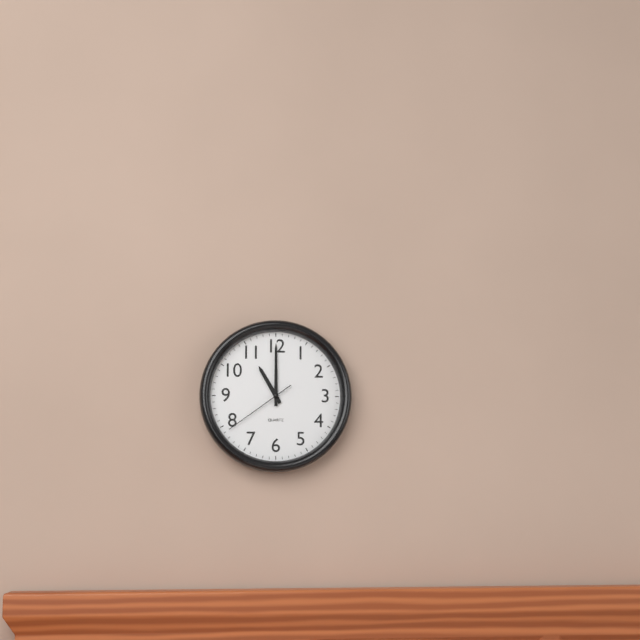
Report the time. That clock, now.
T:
11:00:39
